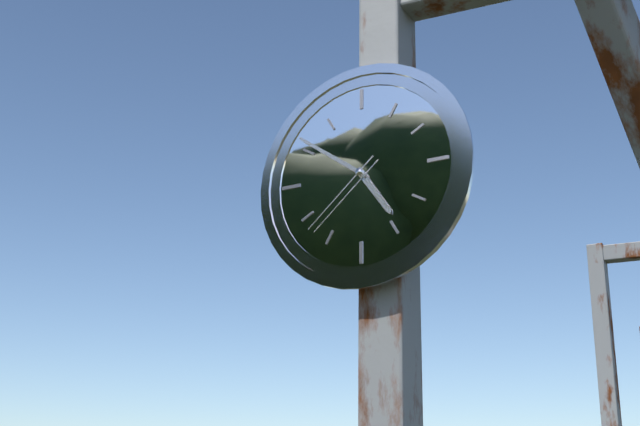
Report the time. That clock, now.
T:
4:51:38
